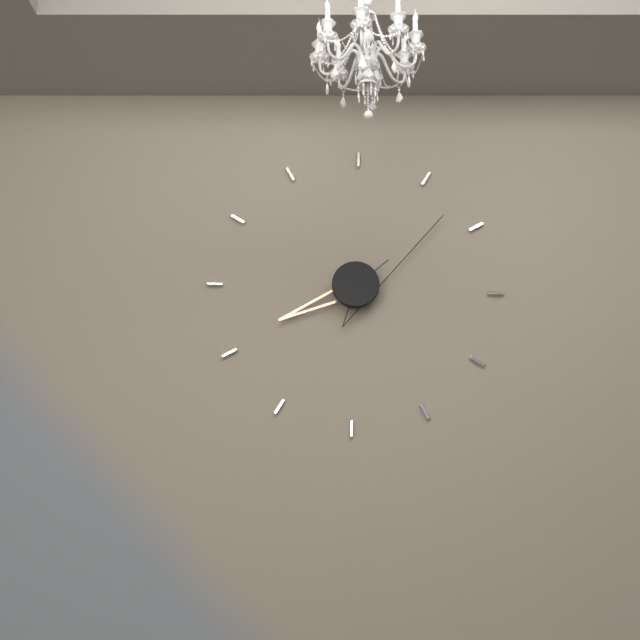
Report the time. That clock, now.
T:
8:08
